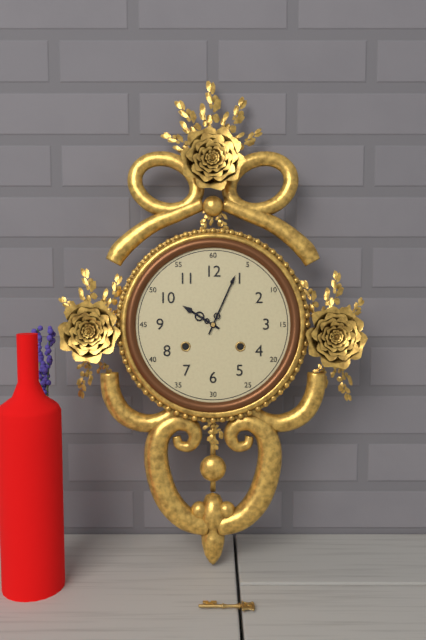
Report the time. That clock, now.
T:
10:04
